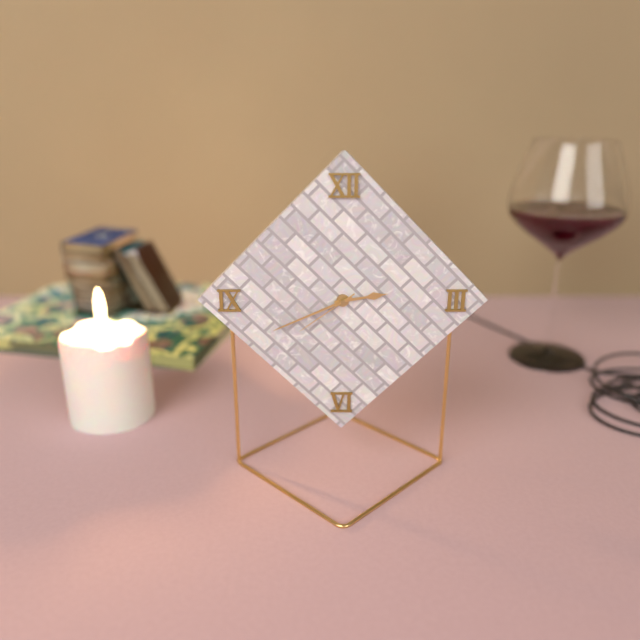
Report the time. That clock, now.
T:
2:41:39
